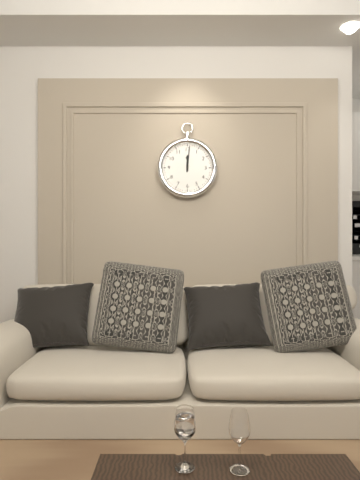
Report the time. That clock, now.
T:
12:01
